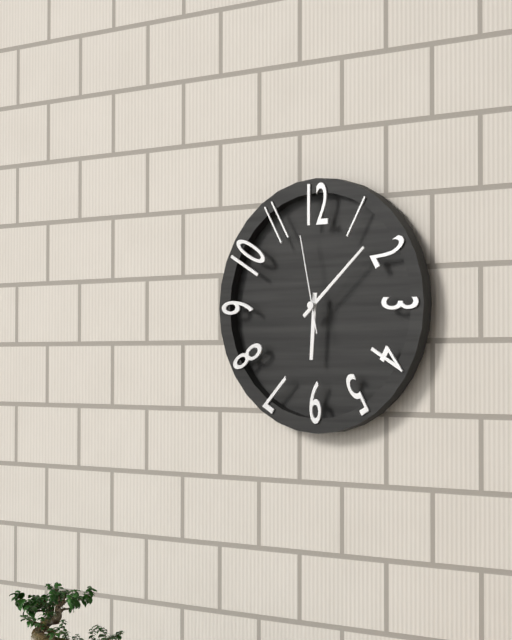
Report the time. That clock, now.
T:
6:08:58
